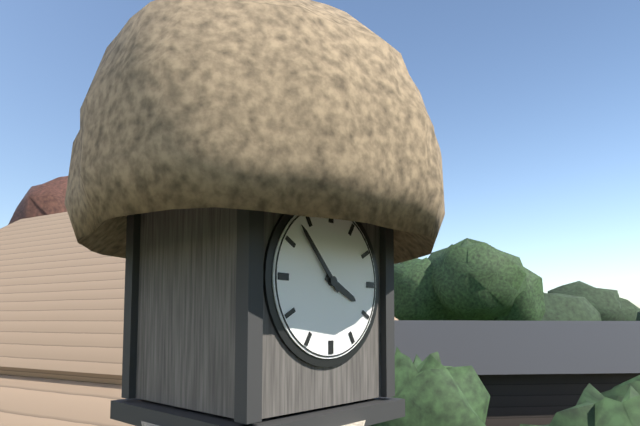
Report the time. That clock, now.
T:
3:53
